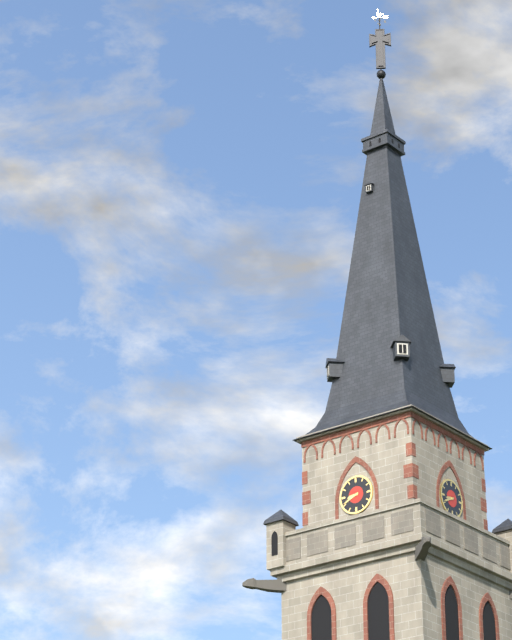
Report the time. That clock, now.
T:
8:41
